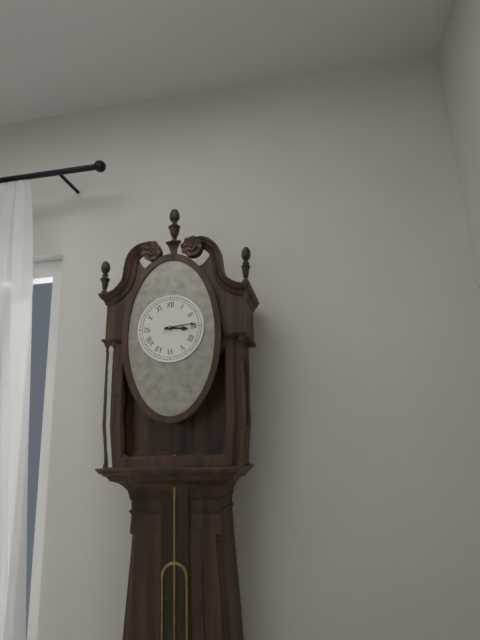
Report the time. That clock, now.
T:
3:14
